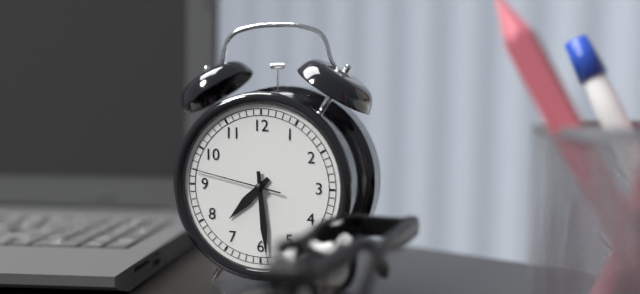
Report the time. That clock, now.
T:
7:29:47
